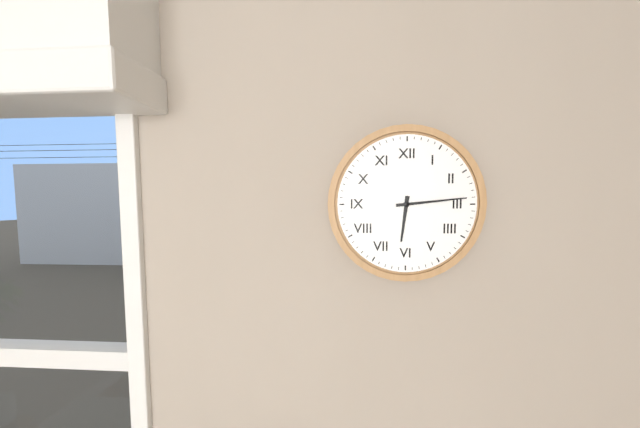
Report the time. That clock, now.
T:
6:14
